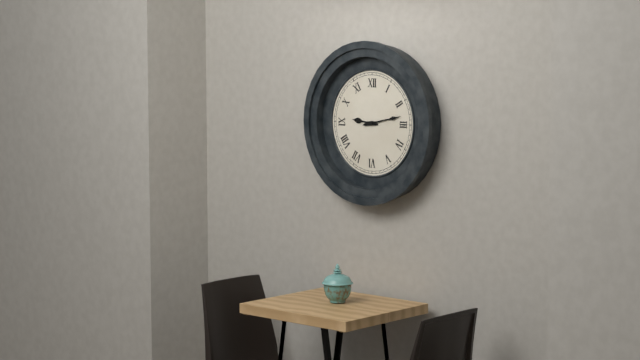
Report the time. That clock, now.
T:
9:13
